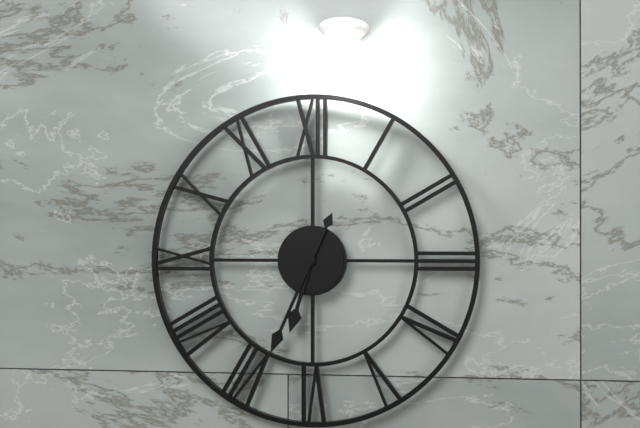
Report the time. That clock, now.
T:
6:34
